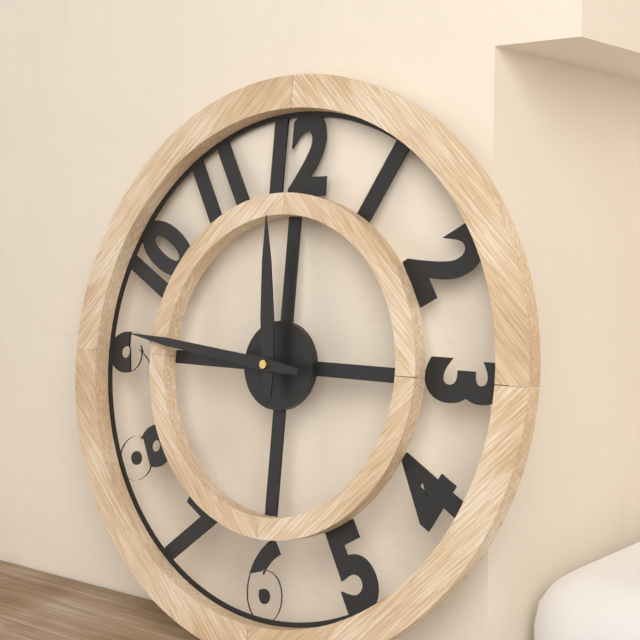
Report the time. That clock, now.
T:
11:46
